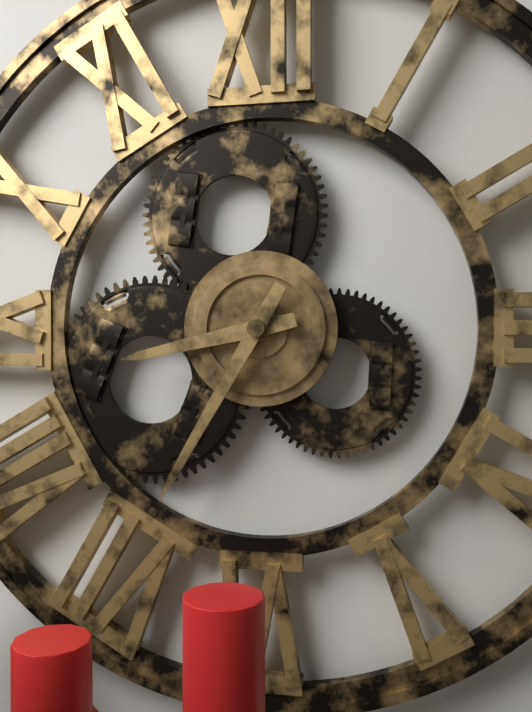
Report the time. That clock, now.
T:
8:35
